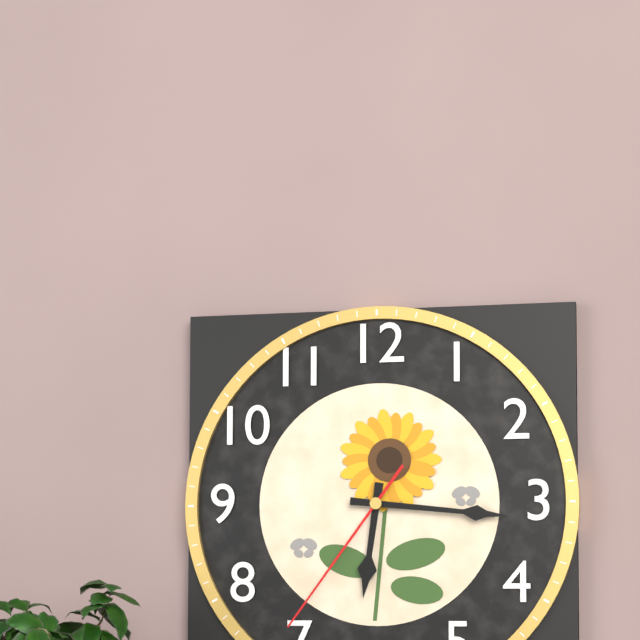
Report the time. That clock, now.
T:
6:16:36
